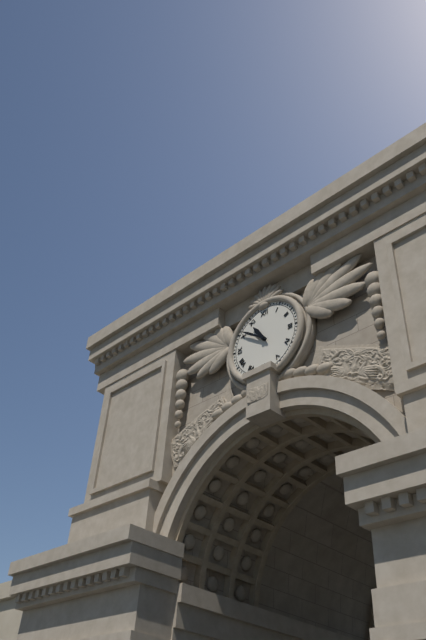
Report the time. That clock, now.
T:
10:51
